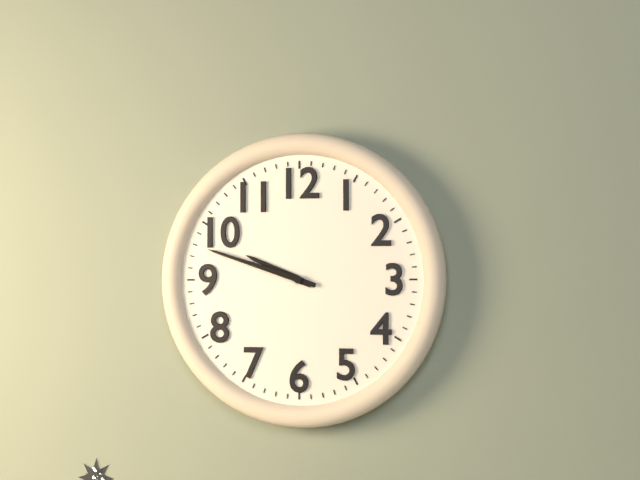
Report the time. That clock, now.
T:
9:48
